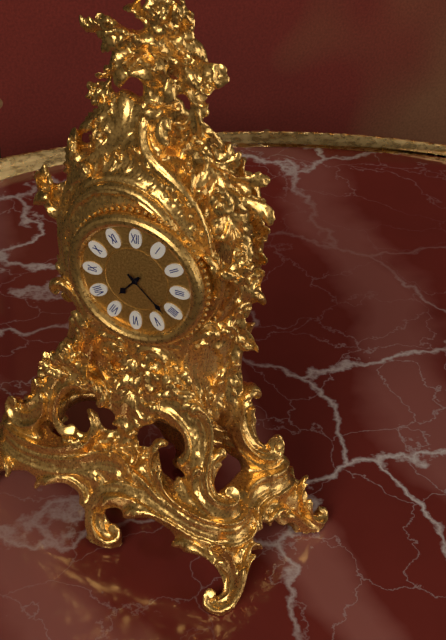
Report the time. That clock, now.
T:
7:22
